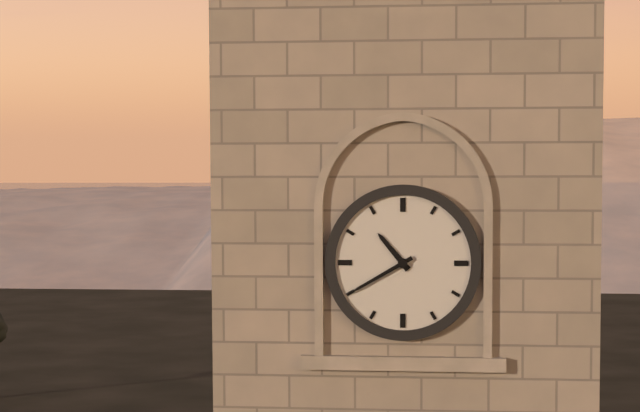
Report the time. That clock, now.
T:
10:40
